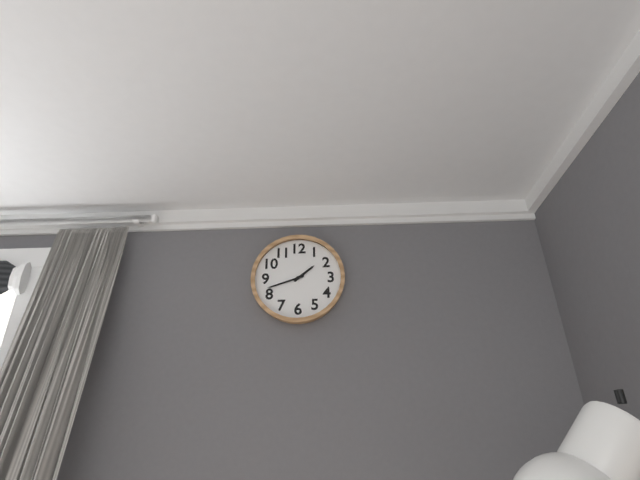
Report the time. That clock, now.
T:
1:42
